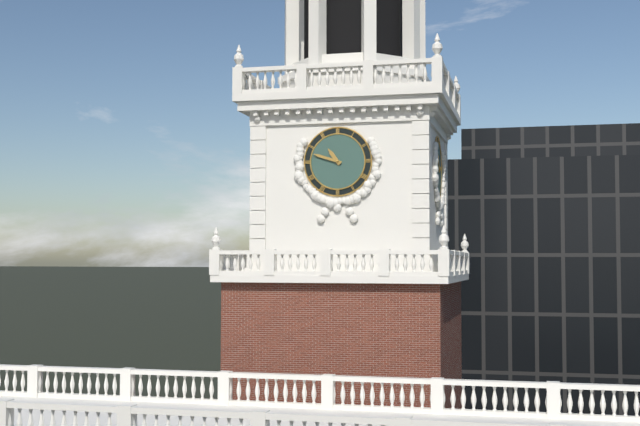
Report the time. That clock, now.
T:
10:48
